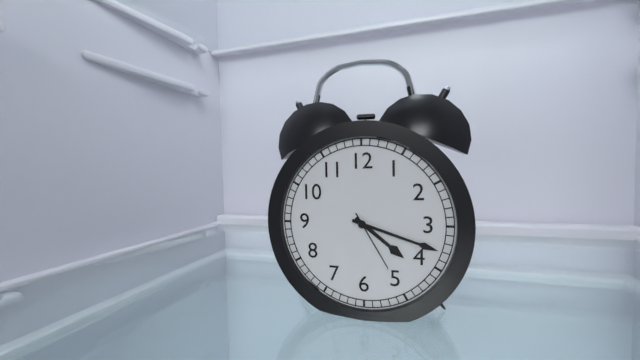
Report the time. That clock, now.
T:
4:18:25
